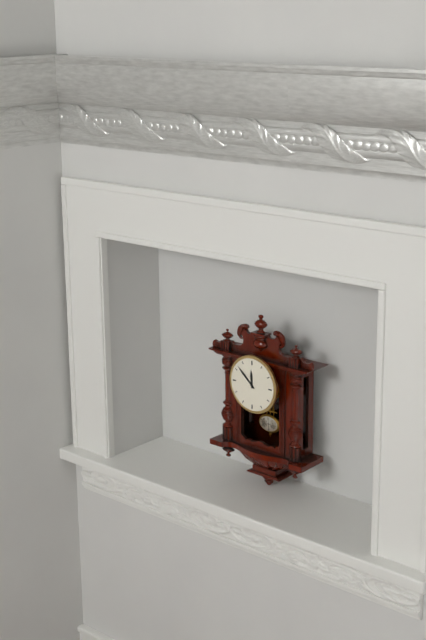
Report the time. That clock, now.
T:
11:52
